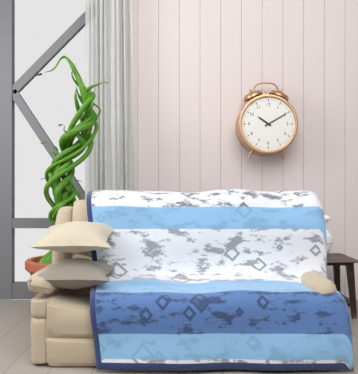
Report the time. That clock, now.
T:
10:10
